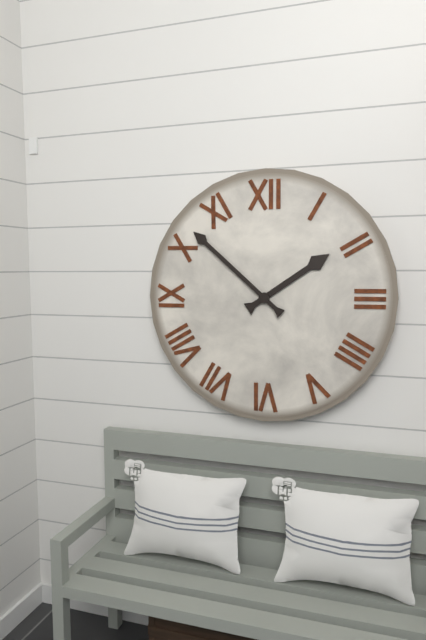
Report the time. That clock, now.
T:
1:52
